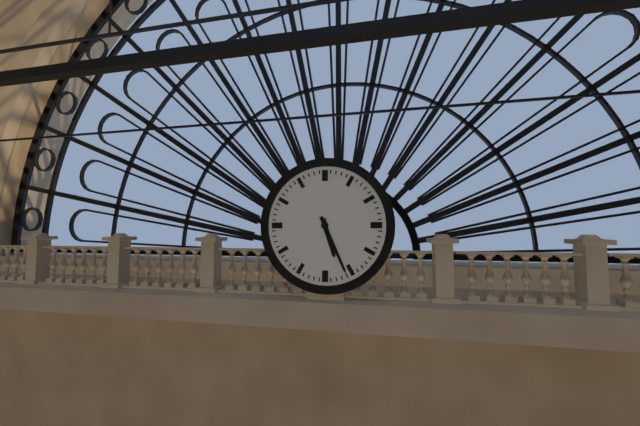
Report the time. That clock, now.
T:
5:26
